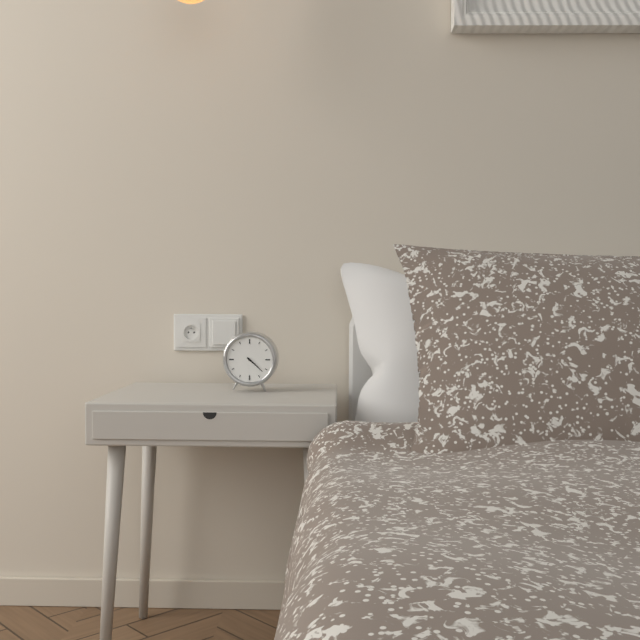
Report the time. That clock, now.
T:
4:22
